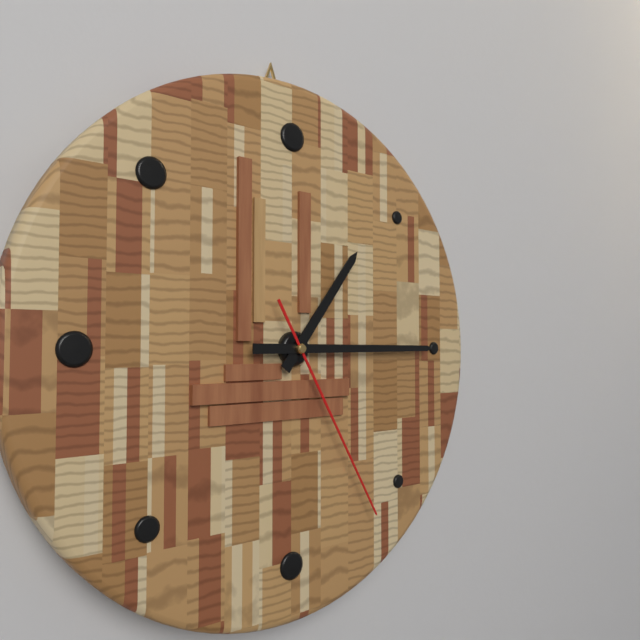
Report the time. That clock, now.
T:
1:15:25
